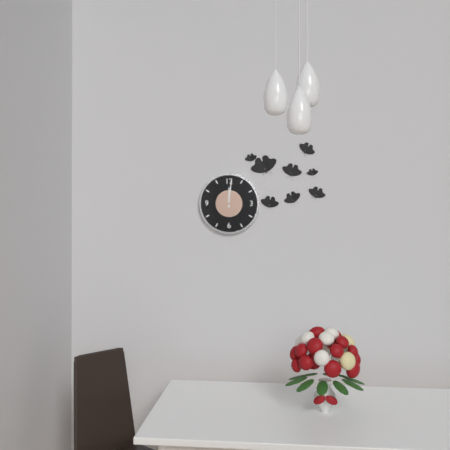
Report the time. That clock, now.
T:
12:01
